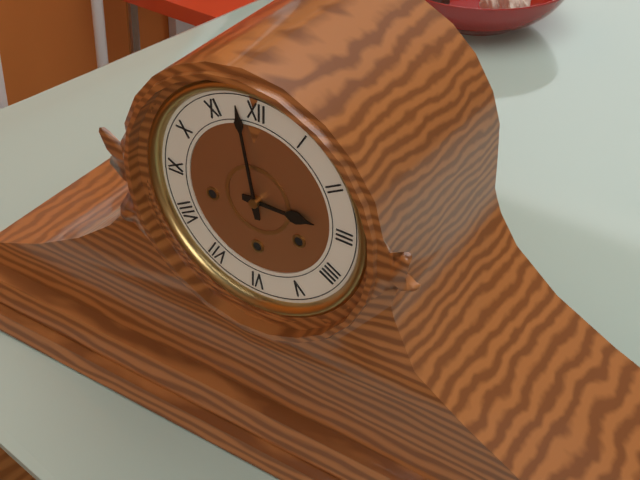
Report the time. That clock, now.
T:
2:58
